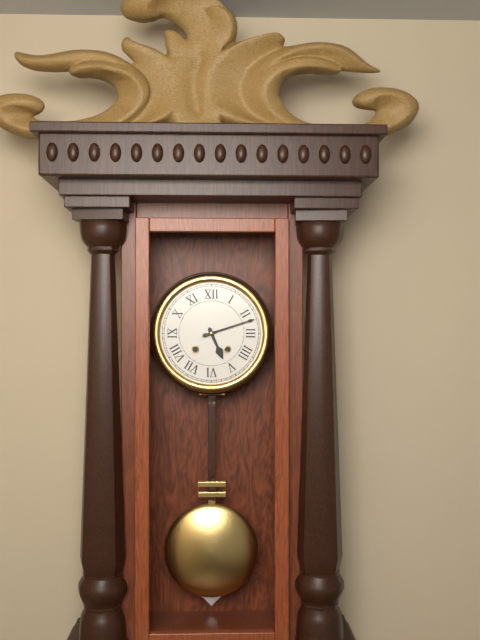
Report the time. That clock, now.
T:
5:12
